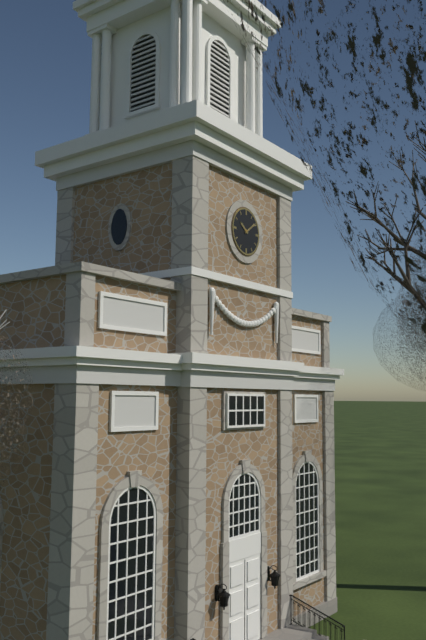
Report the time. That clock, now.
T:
10:09
